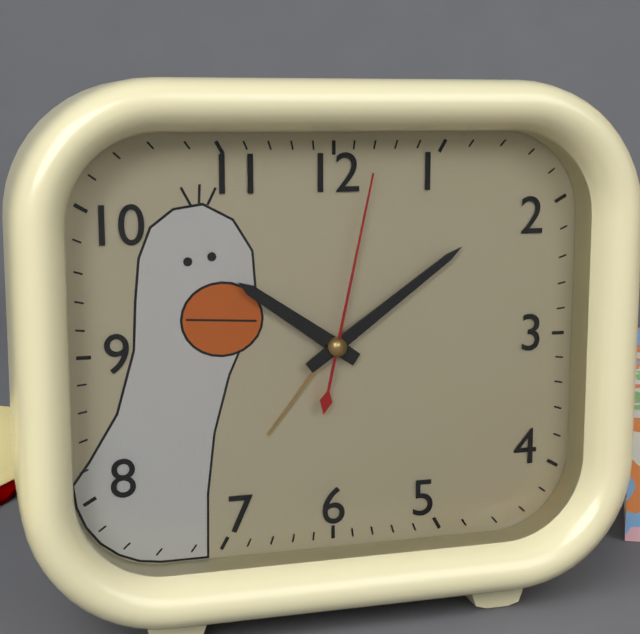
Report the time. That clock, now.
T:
10:09:02
